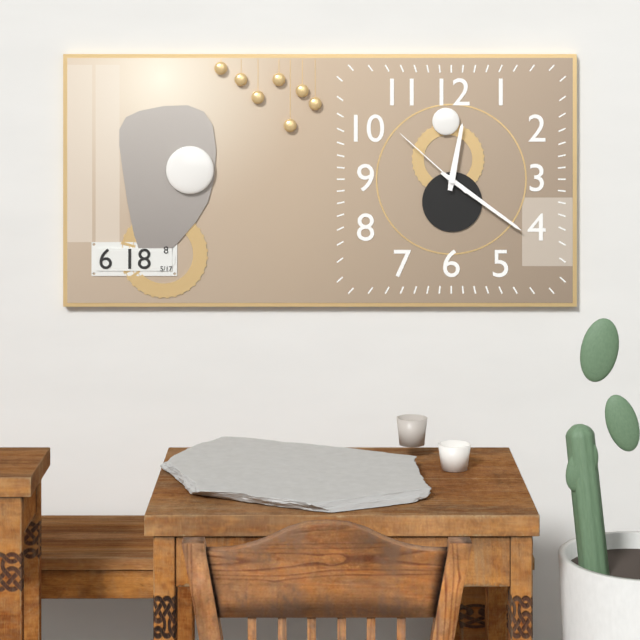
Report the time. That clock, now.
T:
12:21:52
